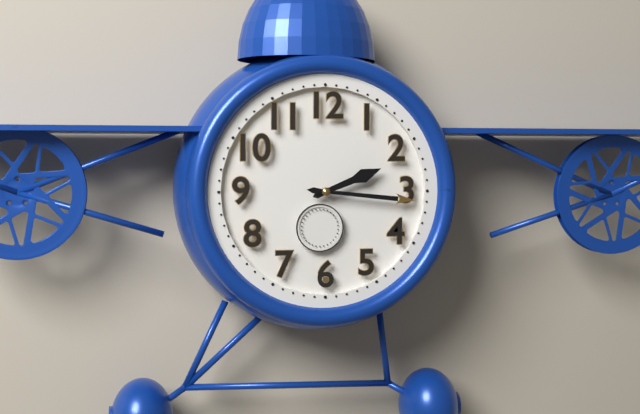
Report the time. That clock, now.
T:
2:16
